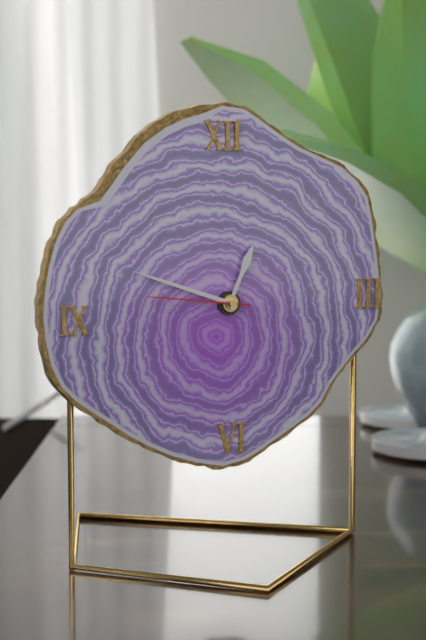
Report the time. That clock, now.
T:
12:48:46
